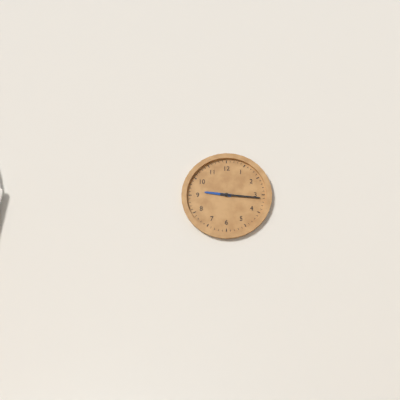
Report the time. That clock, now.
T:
9:16
